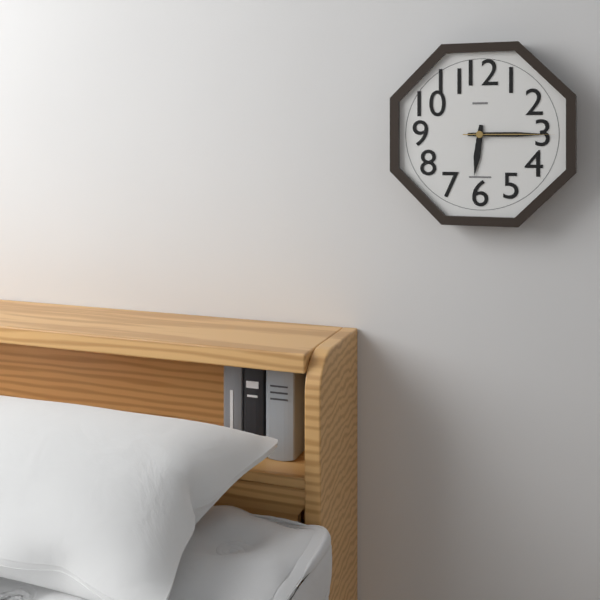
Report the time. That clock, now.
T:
6:15:15
